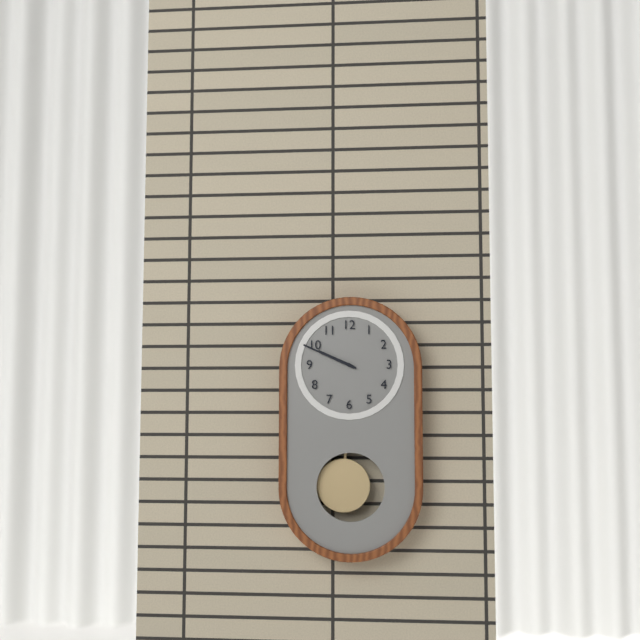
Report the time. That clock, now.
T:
9:49
